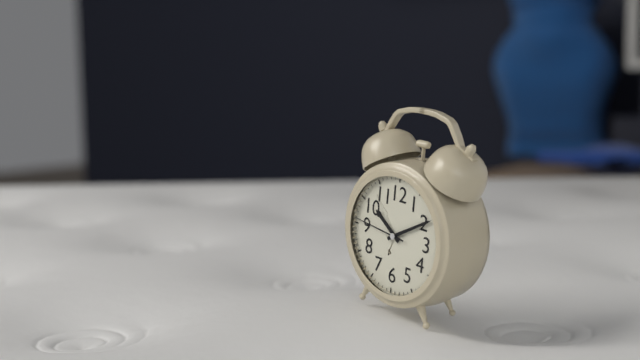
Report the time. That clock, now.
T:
10:10:46
